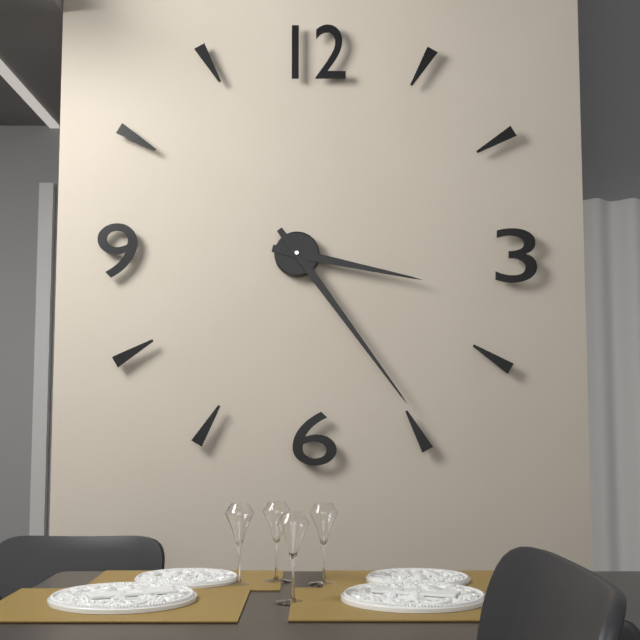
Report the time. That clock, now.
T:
3:24
